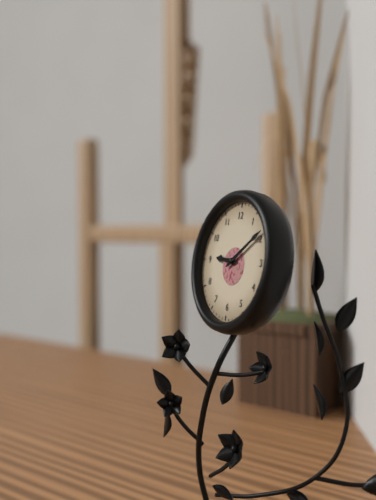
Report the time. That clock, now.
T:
9:09
